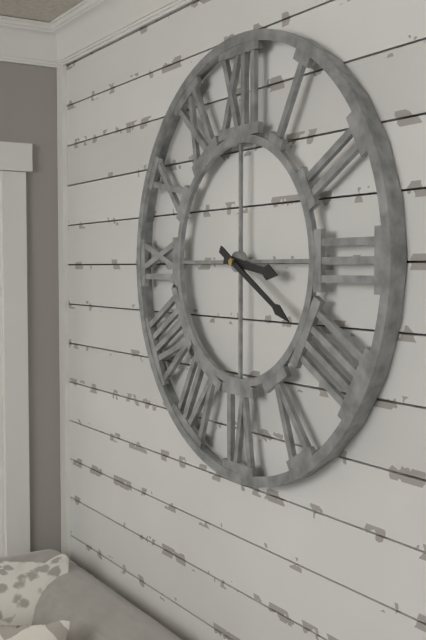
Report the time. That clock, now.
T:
3:20
